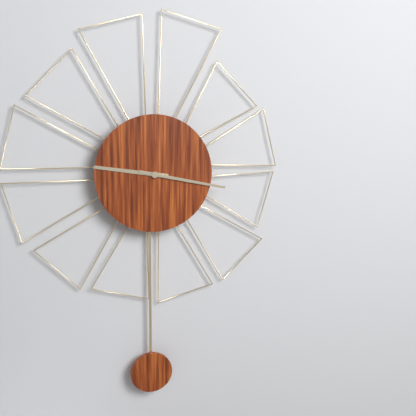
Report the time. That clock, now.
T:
9:17
